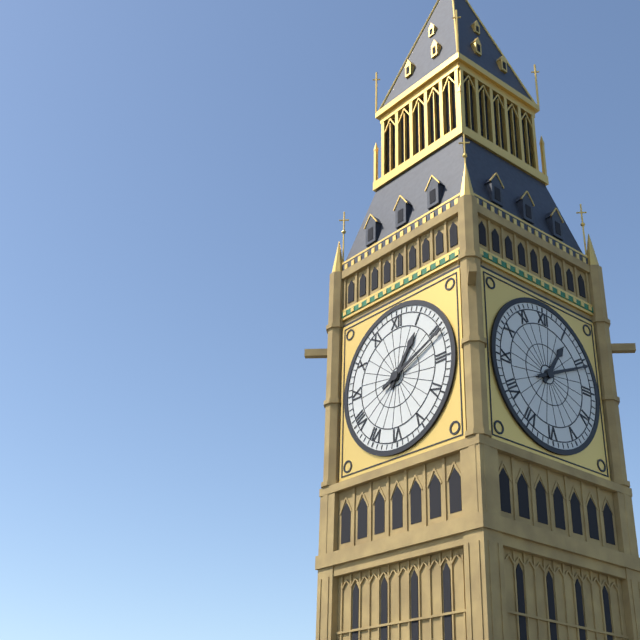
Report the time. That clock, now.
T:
1:11
